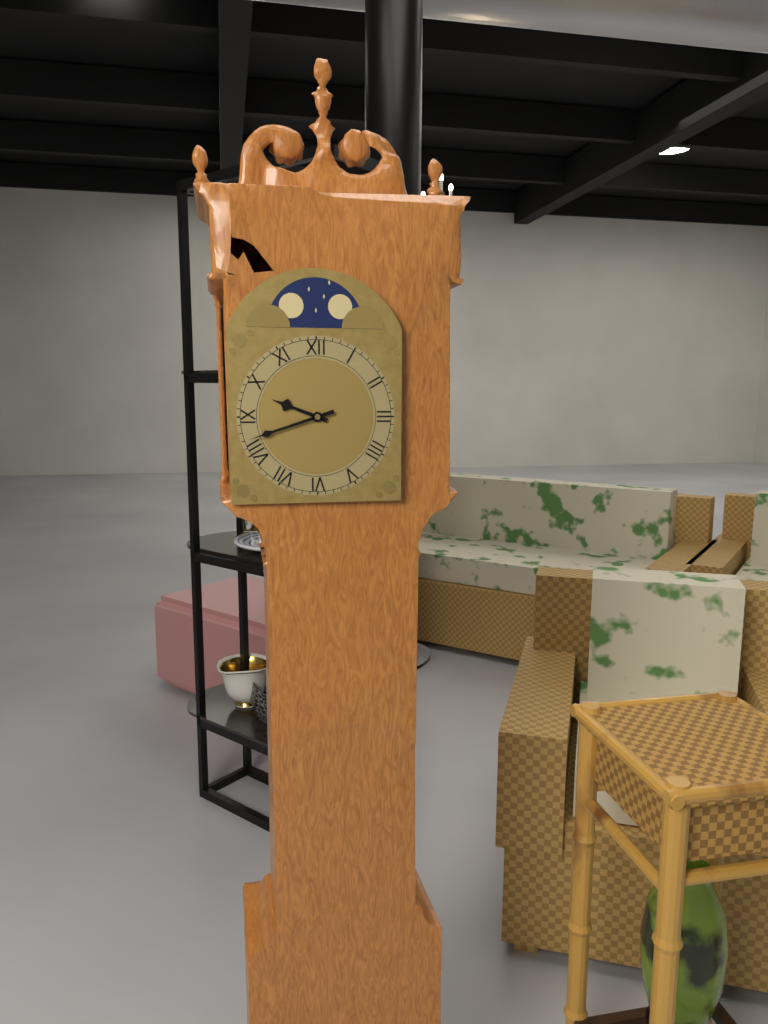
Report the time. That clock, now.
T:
9:42
